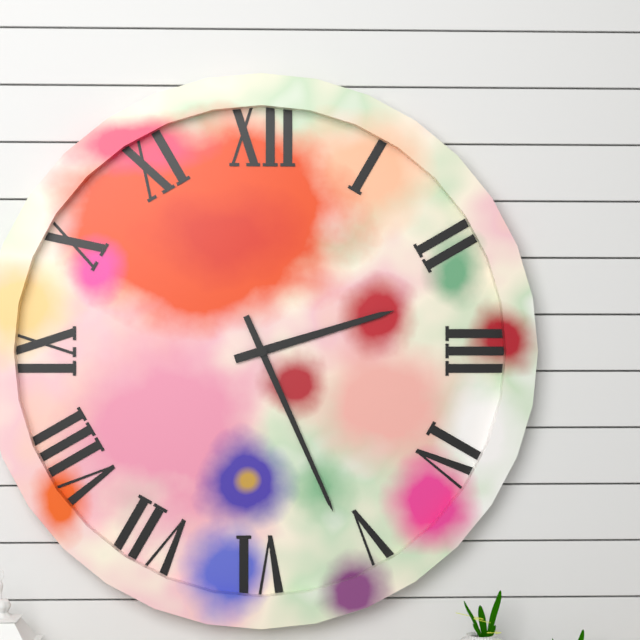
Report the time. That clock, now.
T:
2:26
